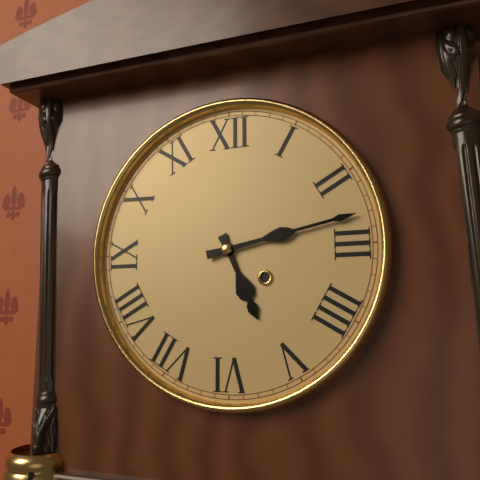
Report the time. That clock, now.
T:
5:13
